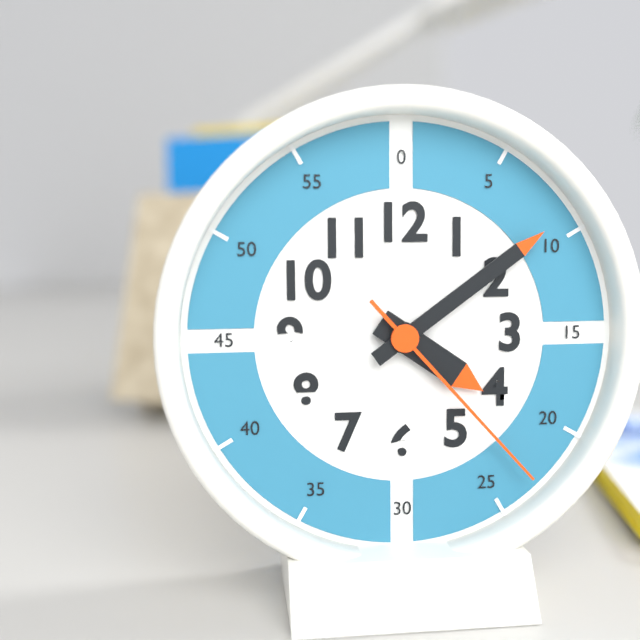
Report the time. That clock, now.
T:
4:09:23
